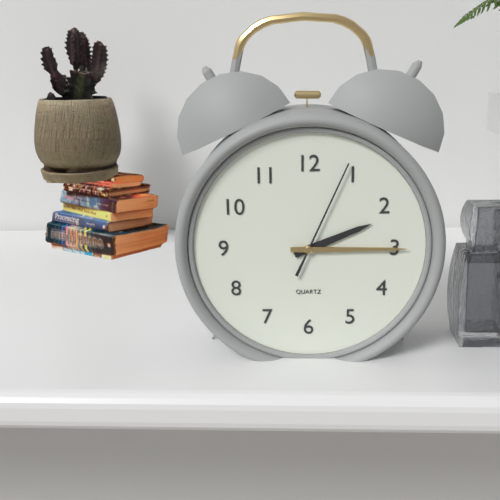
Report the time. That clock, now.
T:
2:15:04
